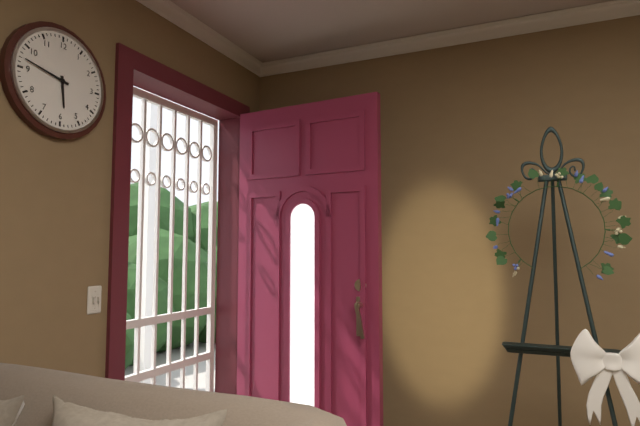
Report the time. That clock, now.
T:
5:47
